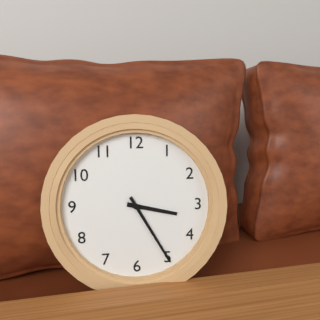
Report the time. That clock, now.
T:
3:25
